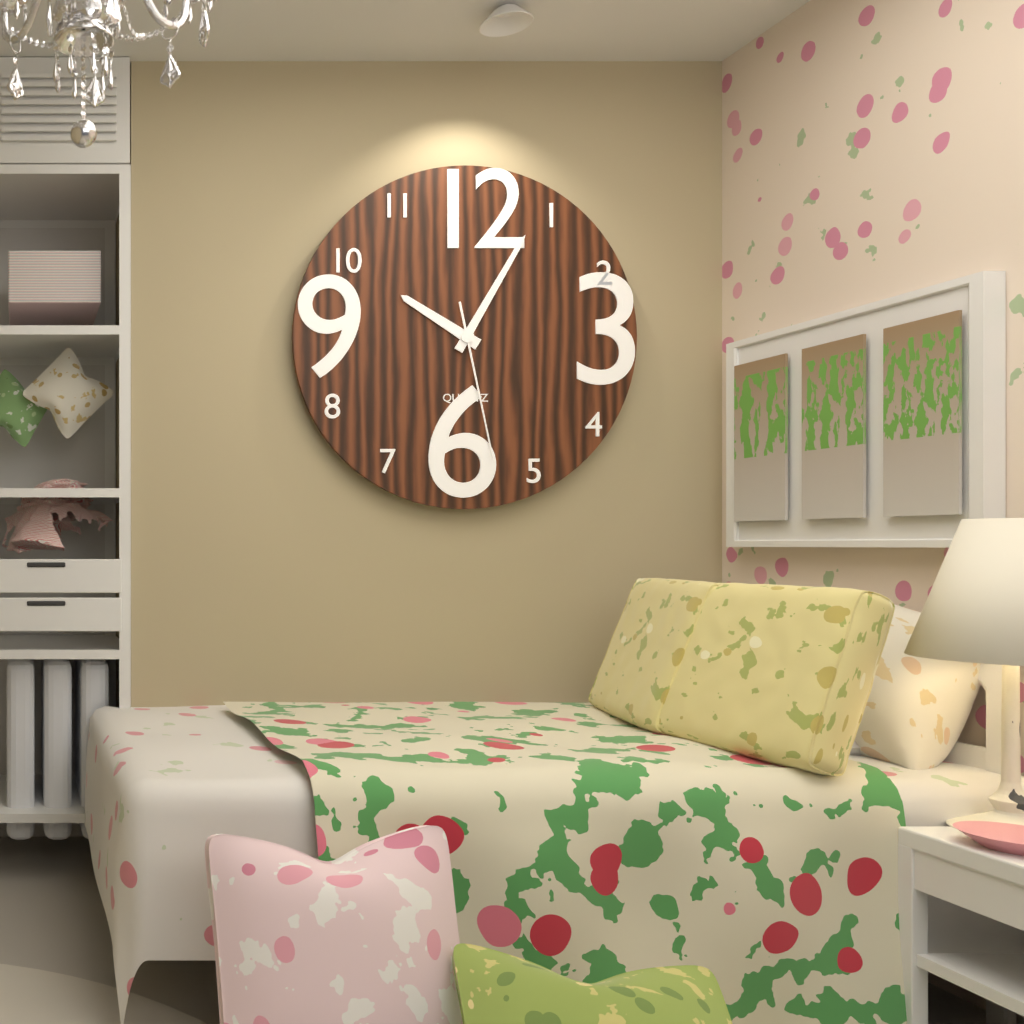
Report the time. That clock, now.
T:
10:05:28
